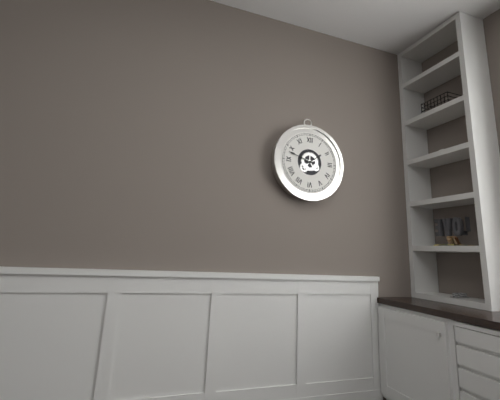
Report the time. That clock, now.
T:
1:48
